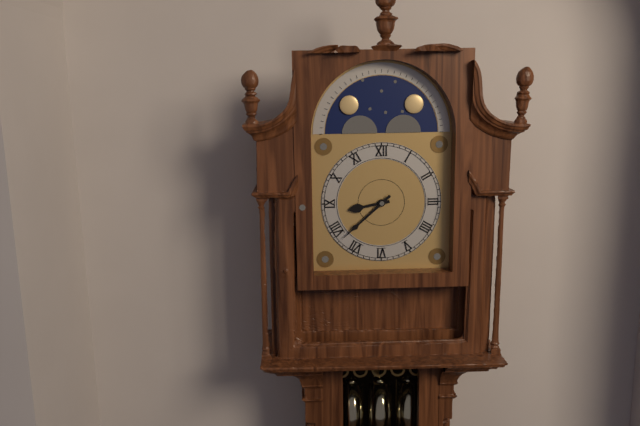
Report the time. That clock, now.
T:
8:38
